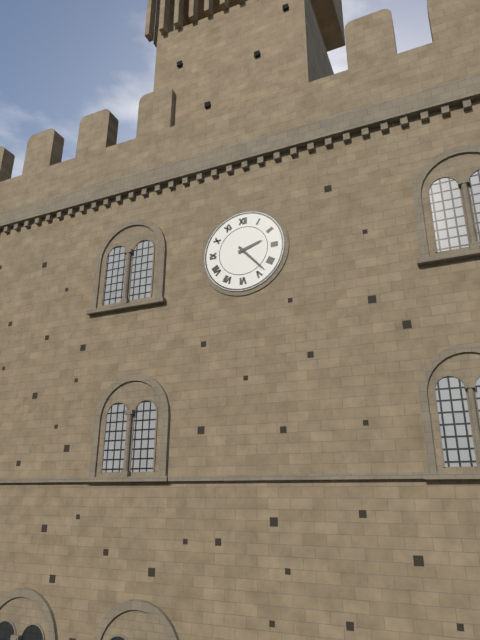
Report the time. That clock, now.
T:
2:23
